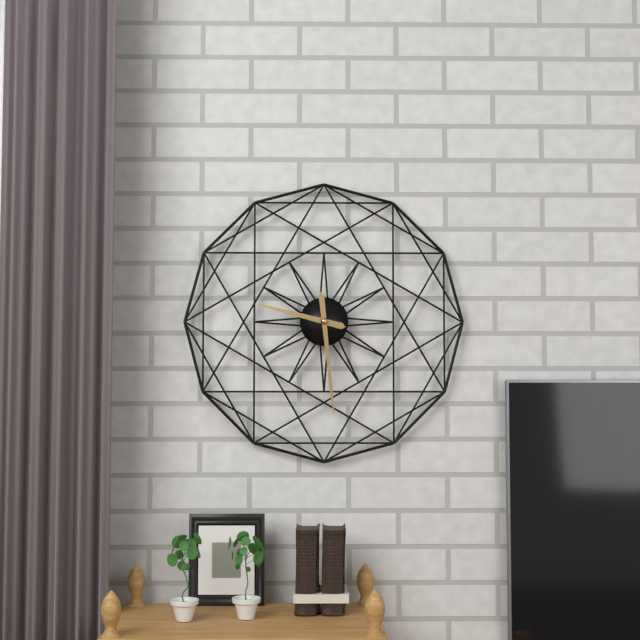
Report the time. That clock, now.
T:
9:29
